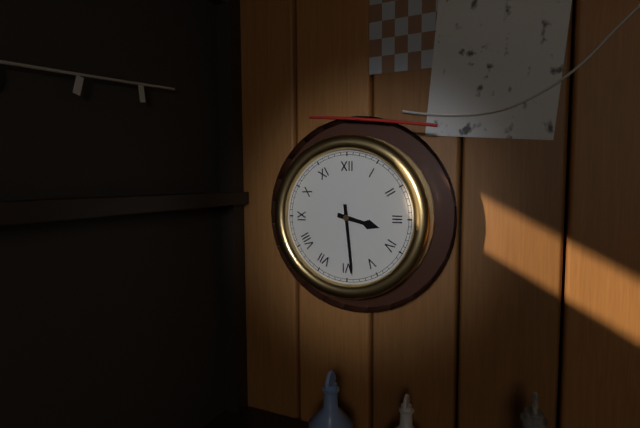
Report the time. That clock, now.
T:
3:29
